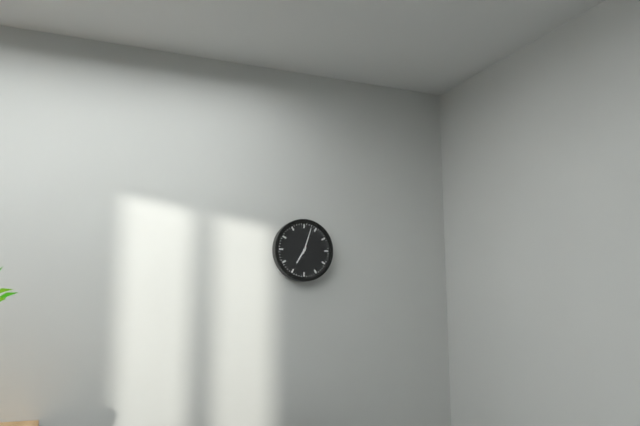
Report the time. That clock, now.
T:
7:03
